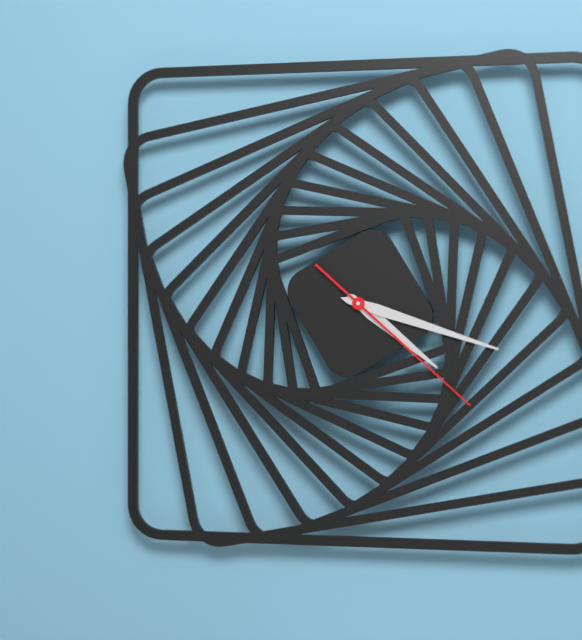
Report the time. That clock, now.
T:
4:18:22
